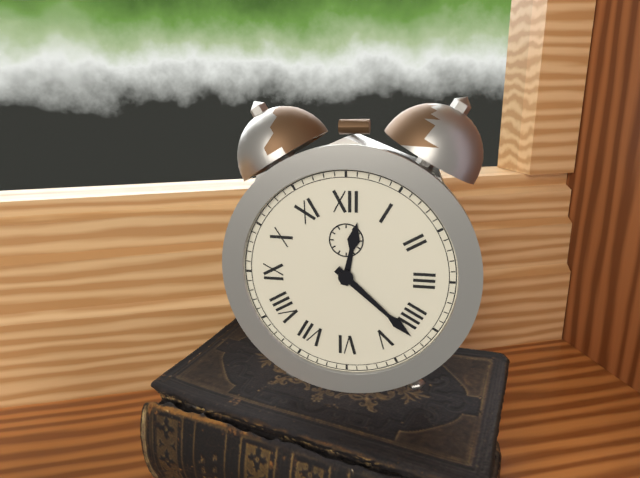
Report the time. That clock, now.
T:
12:22
